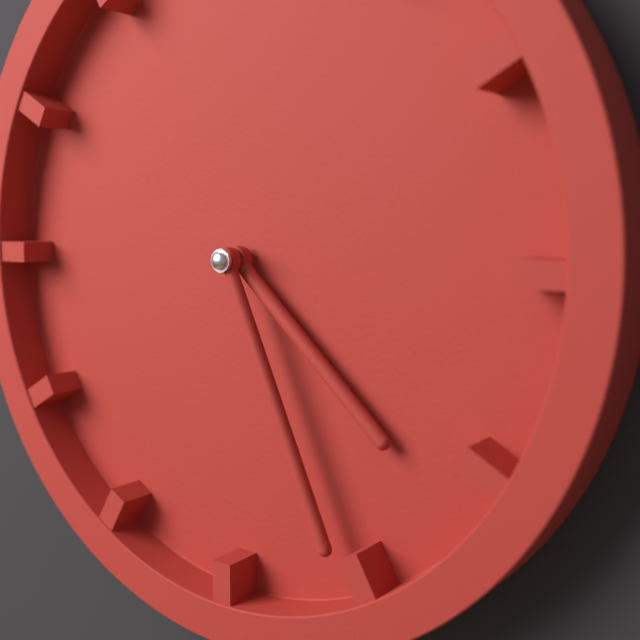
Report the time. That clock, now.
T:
4:26
